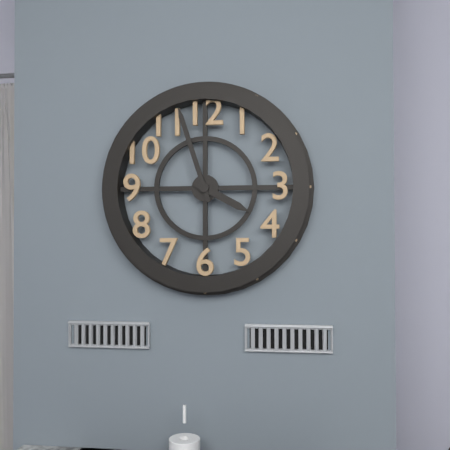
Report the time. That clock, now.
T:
3:57
